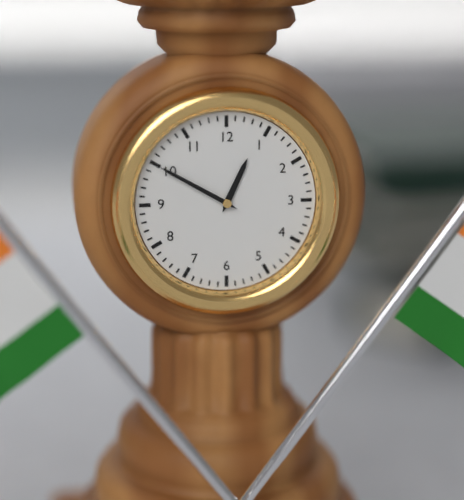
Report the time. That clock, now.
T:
12:50
